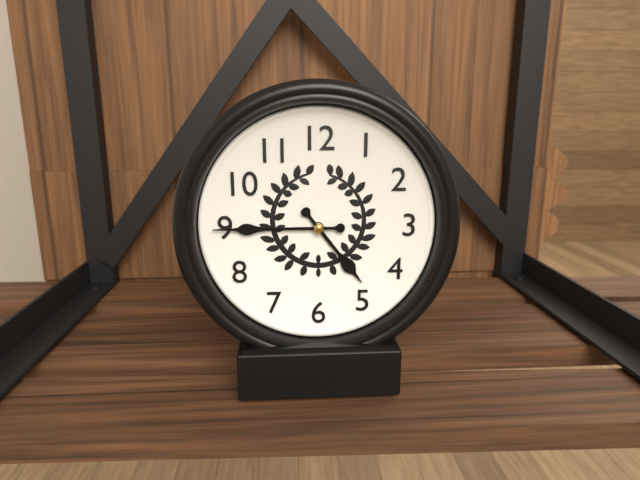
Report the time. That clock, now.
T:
4:45
